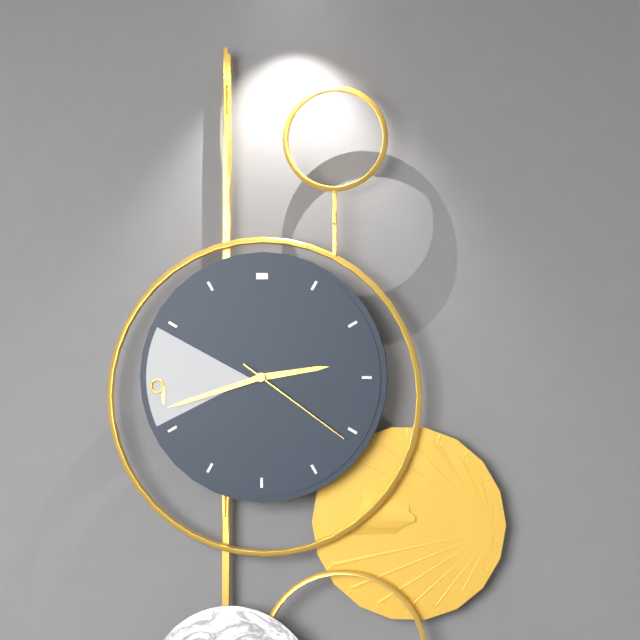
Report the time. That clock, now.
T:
2:42:21
